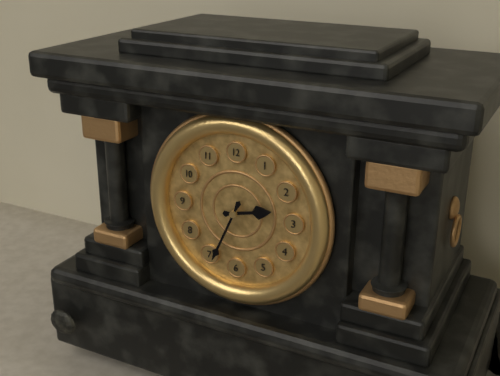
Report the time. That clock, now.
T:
2:34
